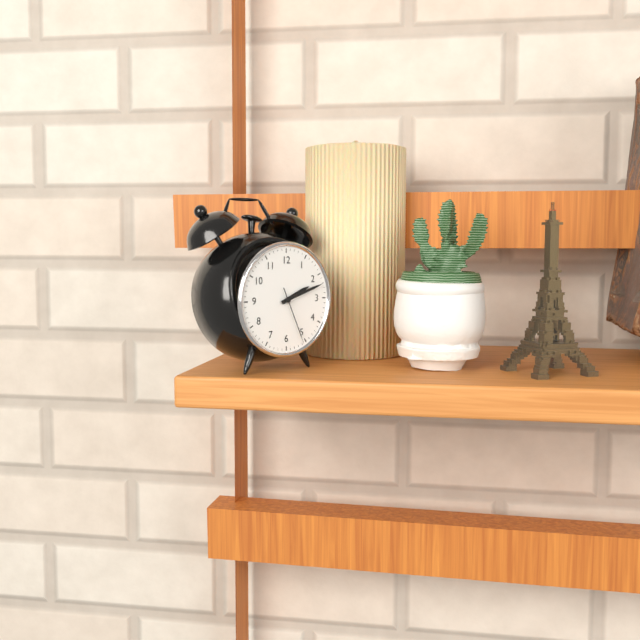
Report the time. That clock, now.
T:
2:12:26
